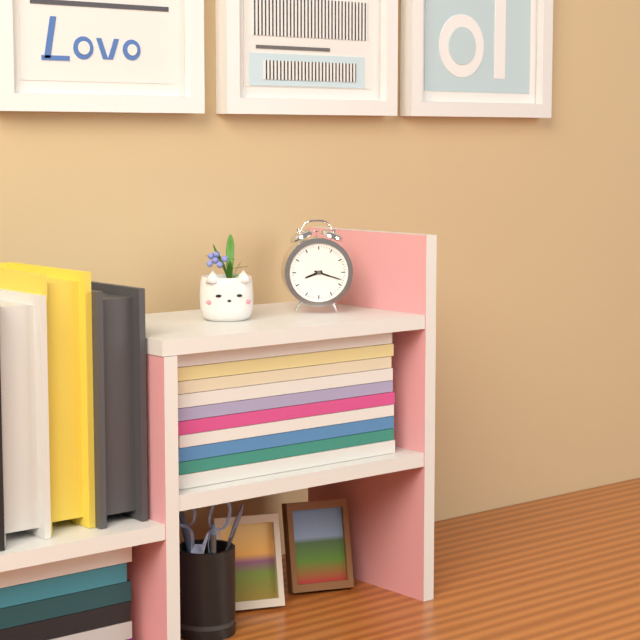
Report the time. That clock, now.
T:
8:18
